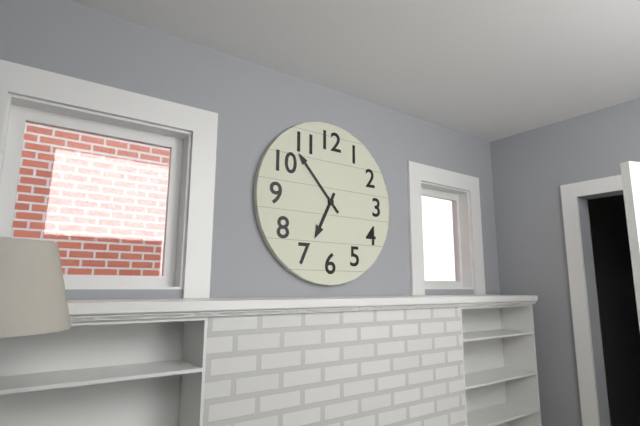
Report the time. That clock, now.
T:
6:53
